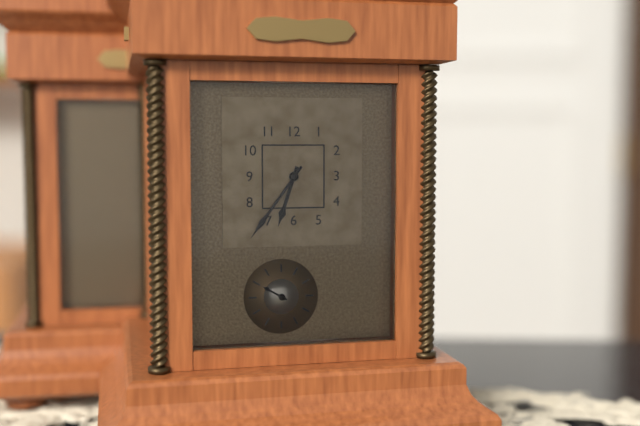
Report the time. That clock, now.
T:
6:36
